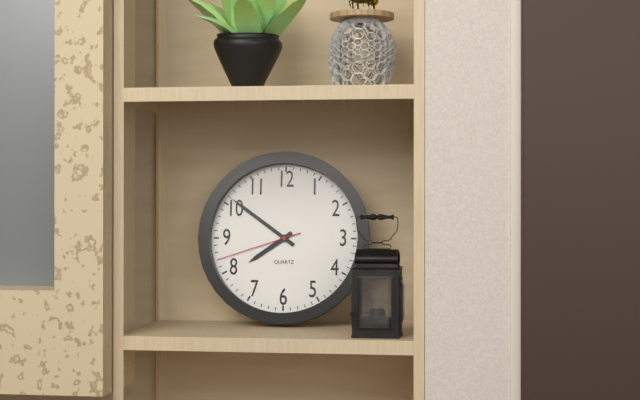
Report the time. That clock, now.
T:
7:51:42
